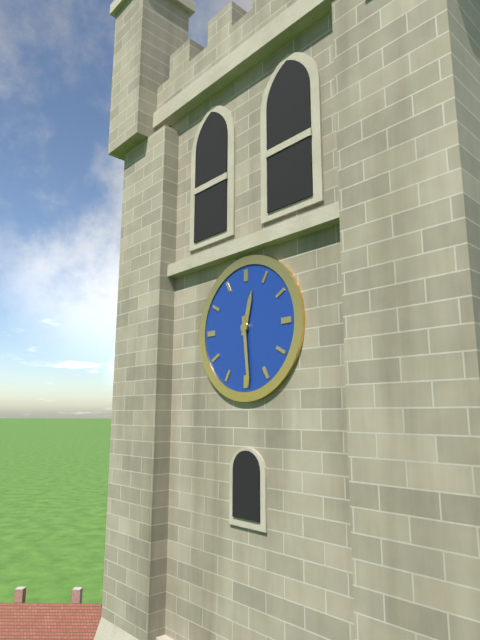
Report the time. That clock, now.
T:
12:29
